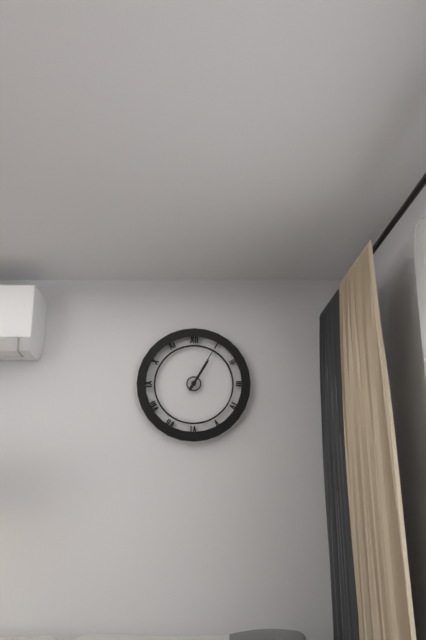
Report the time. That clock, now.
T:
1:05
